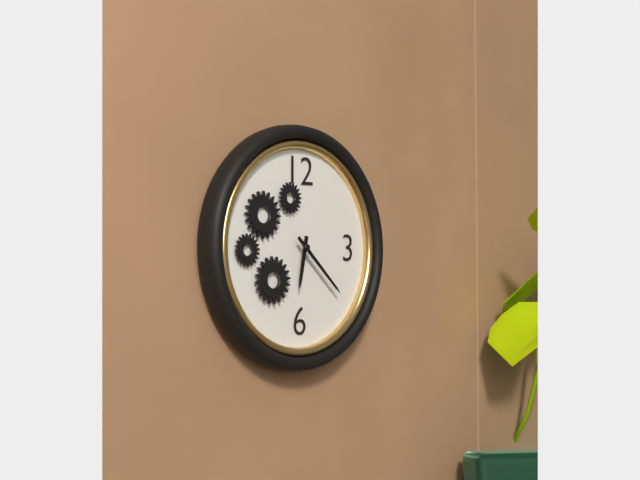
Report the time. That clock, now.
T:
6:22
